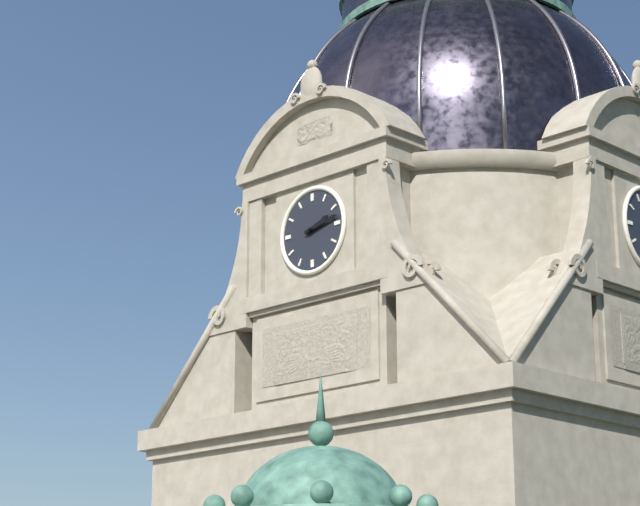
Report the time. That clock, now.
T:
2:13
